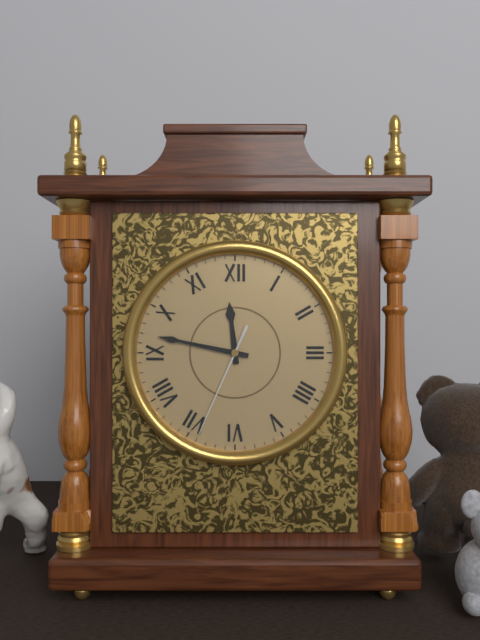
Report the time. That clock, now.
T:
11:47:34
